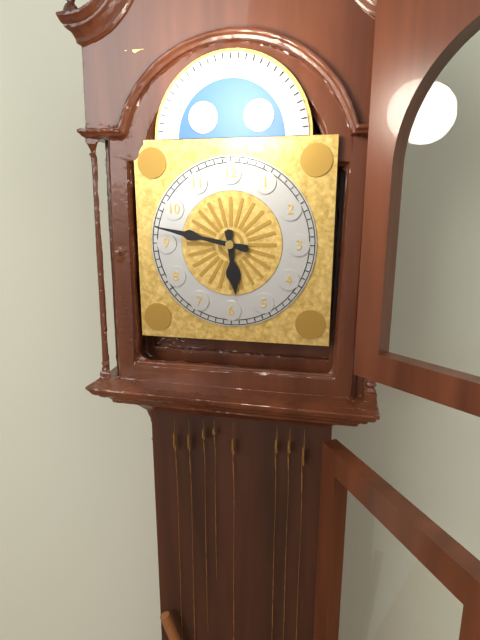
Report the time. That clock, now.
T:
5:47
